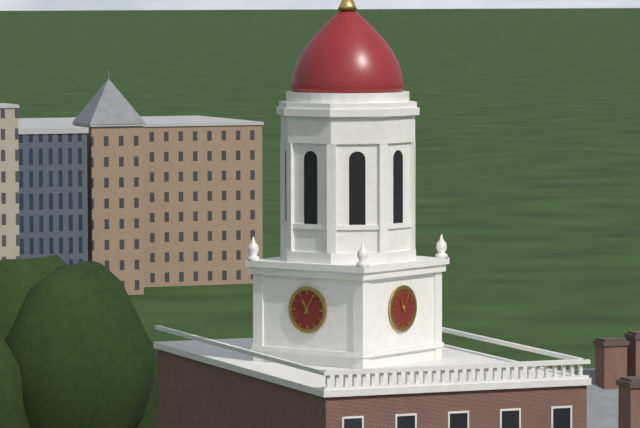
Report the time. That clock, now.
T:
11:05
